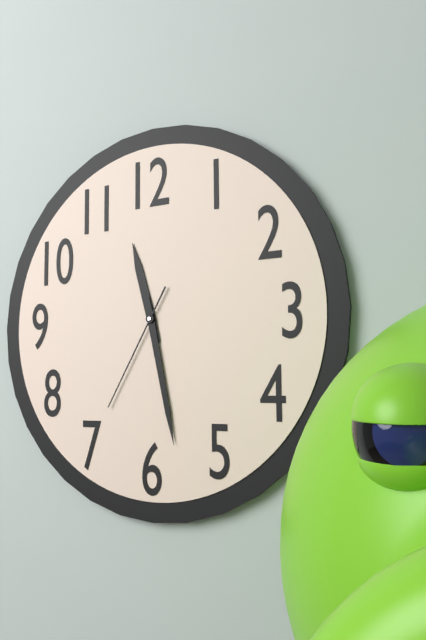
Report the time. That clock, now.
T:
11:28:35
